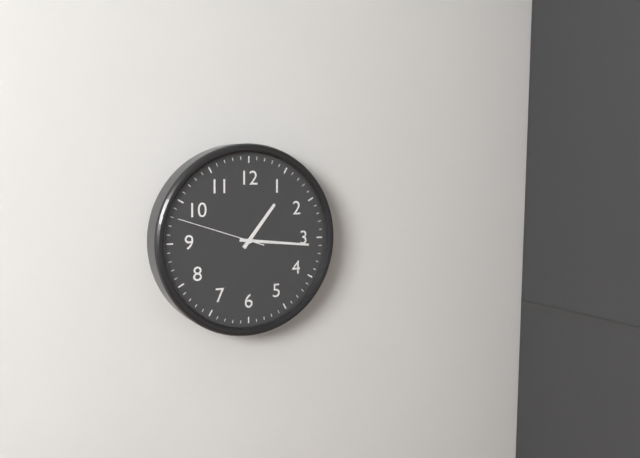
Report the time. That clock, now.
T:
1:16:48
